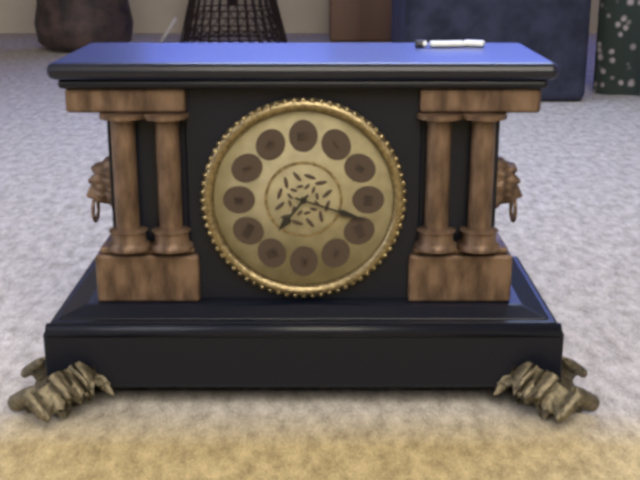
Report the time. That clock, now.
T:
7:18
